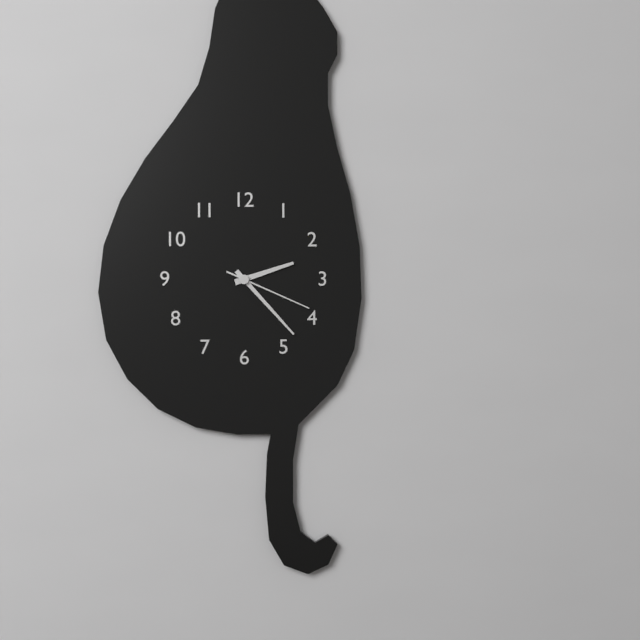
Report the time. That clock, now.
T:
2:23:19
